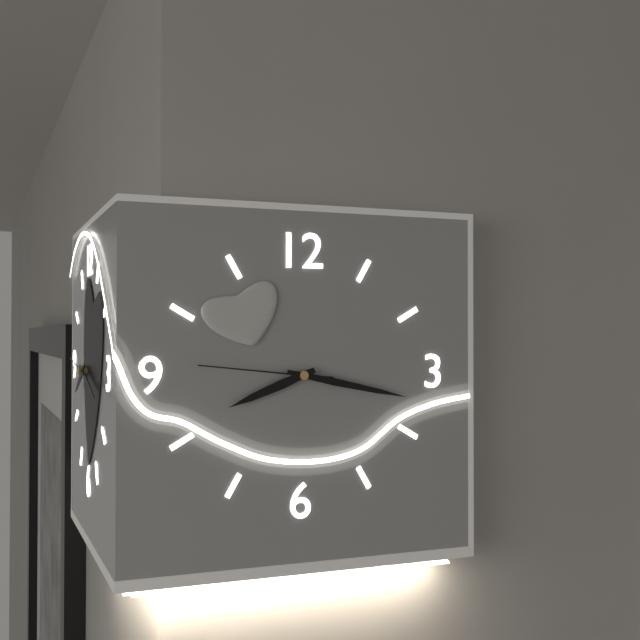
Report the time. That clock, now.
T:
8:17:46
